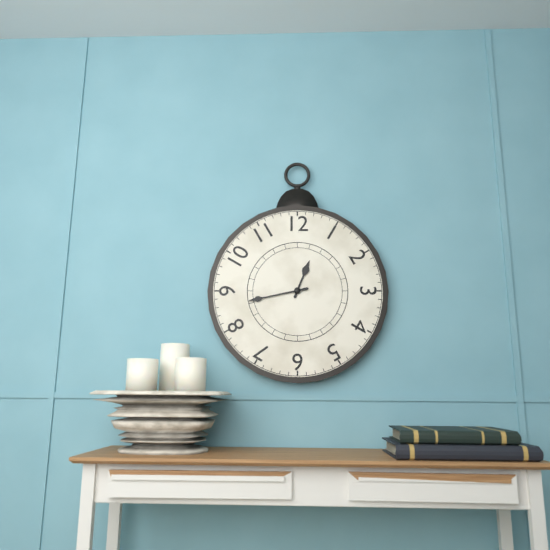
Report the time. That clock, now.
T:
12:43
